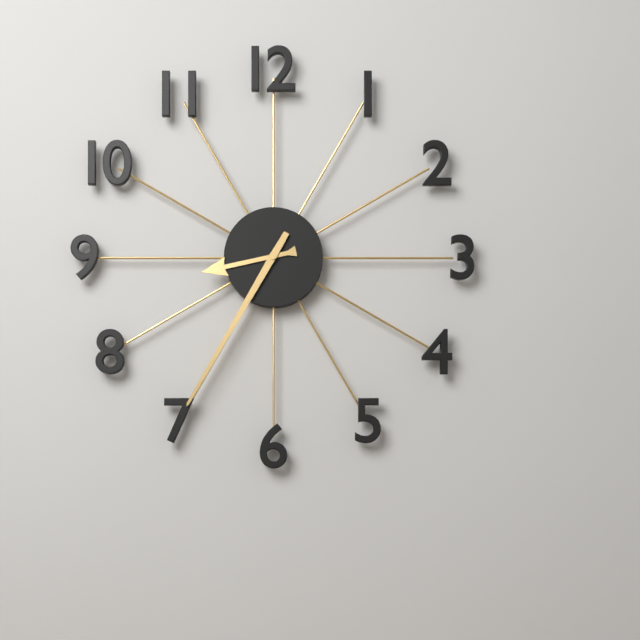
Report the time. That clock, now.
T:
8:35
